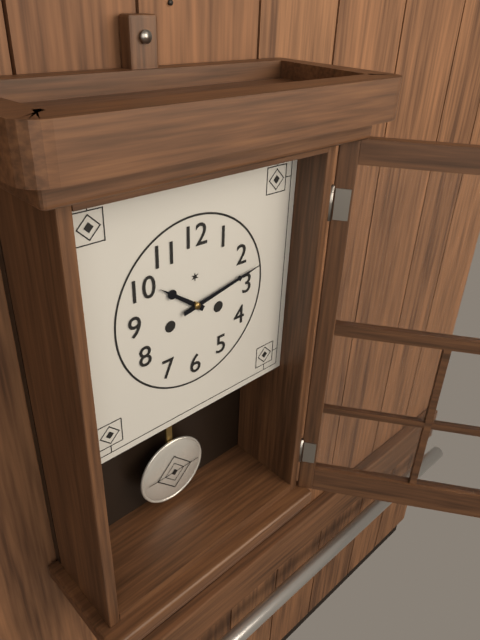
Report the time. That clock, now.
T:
10:13
